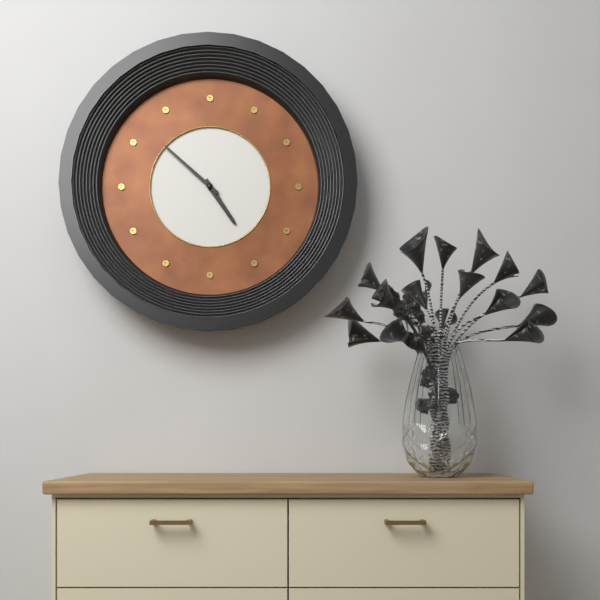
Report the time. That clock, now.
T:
4:52
